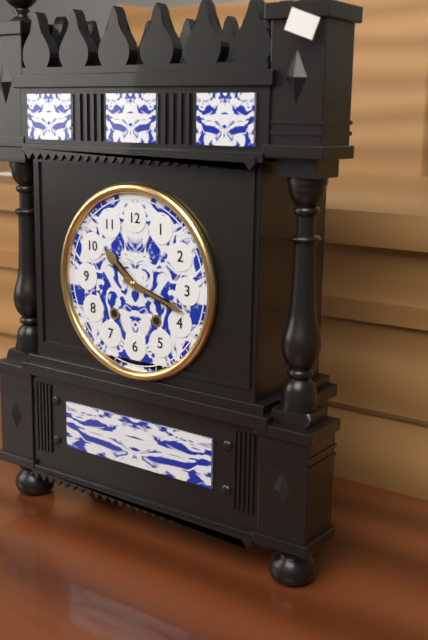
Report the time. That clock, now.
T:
10:18
